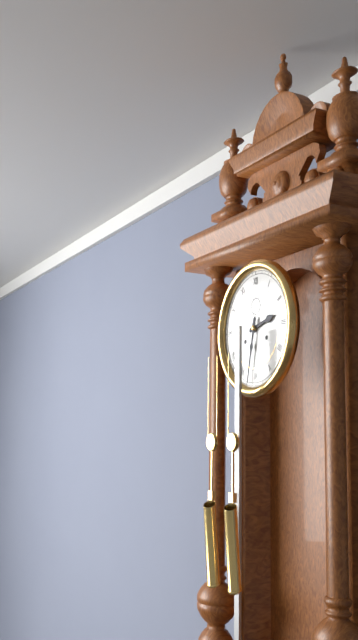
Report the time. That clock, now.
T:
2:32
